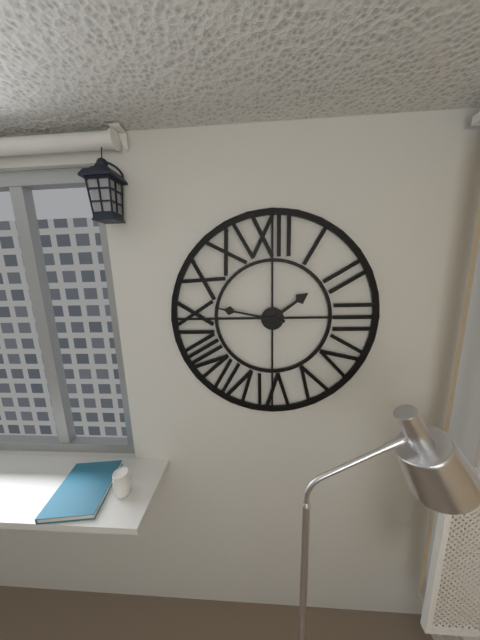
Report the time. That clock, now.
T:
1:47
